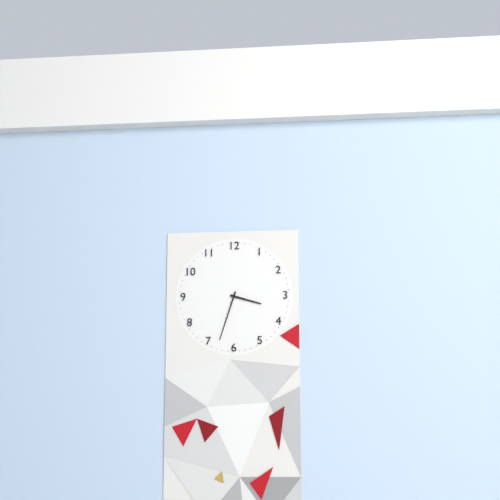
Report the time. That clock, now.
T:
3:33
